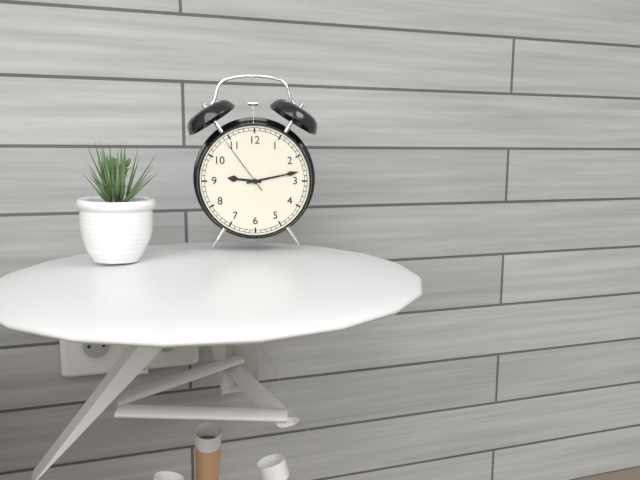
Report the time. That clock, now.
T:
9:13:54
